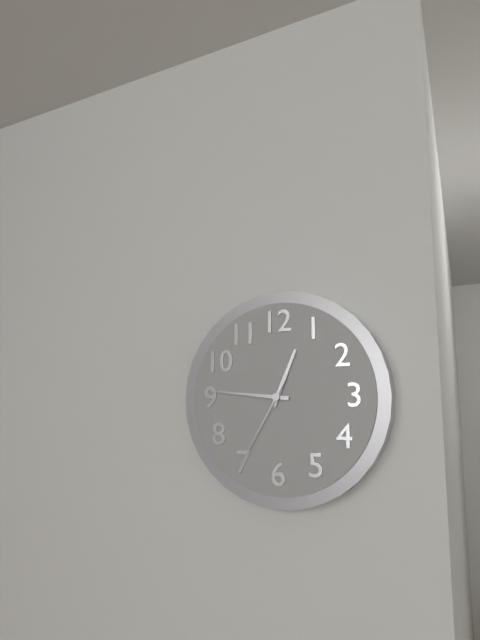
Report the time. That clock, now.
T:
12:46:35
